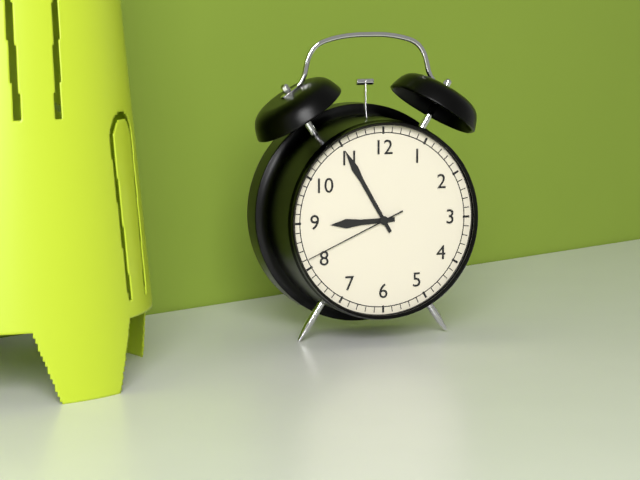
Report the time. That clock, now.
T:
8:55:41
